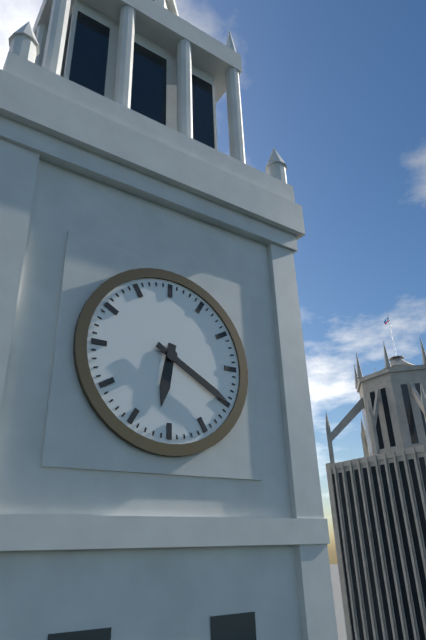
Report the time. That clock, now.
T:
6:20
